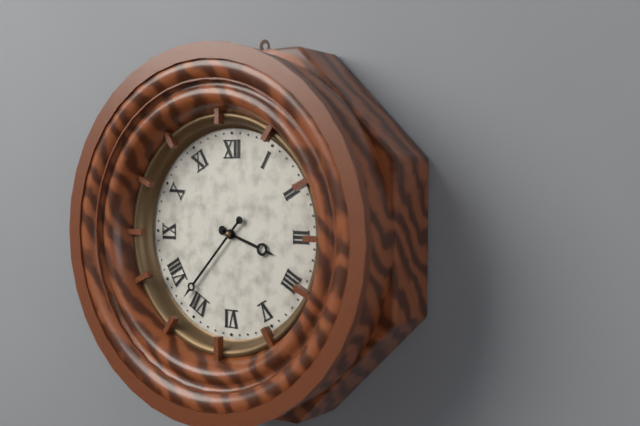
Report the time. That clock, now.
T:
3:37
